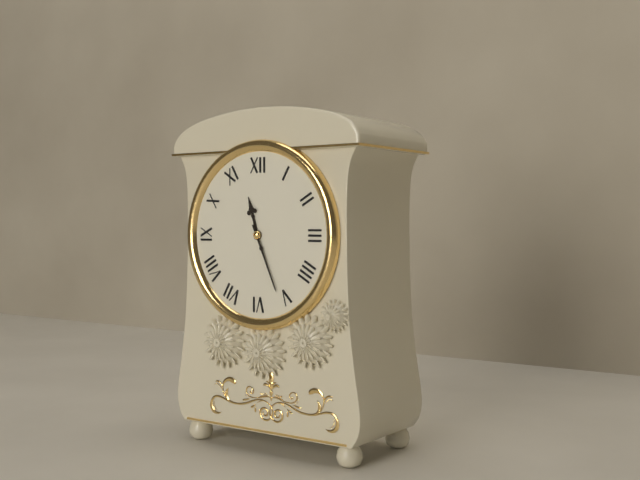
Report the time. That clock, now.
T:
11:26
